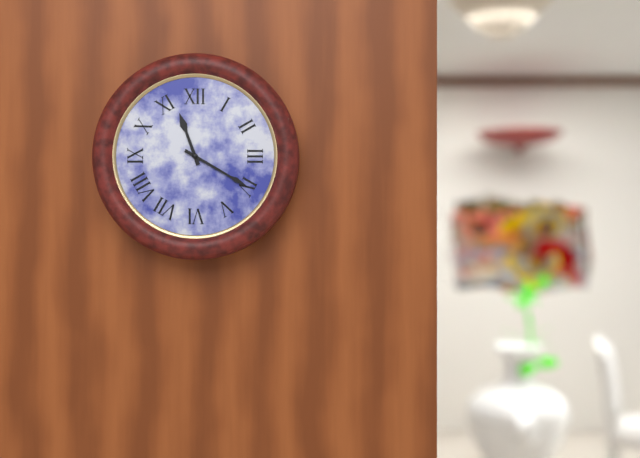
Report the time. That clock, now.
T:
11:20
